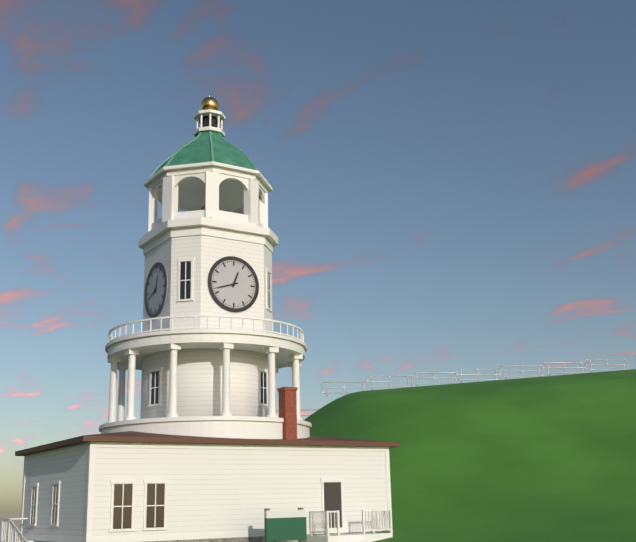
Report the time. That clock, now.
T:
12:42
